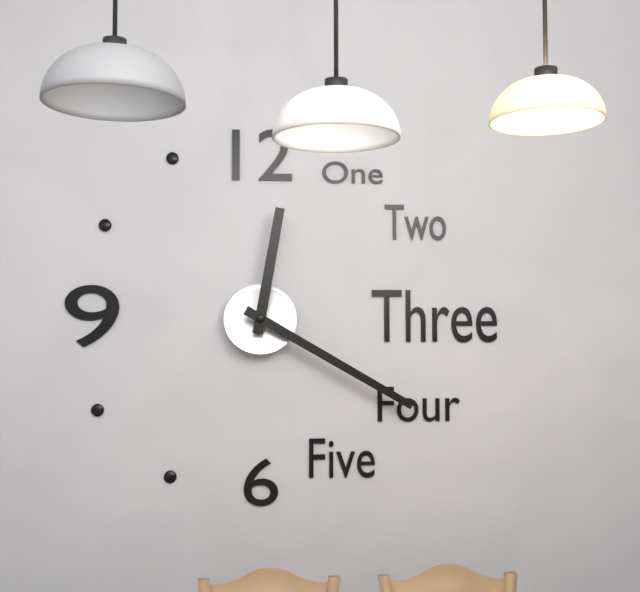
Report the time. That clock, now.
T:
12:20
